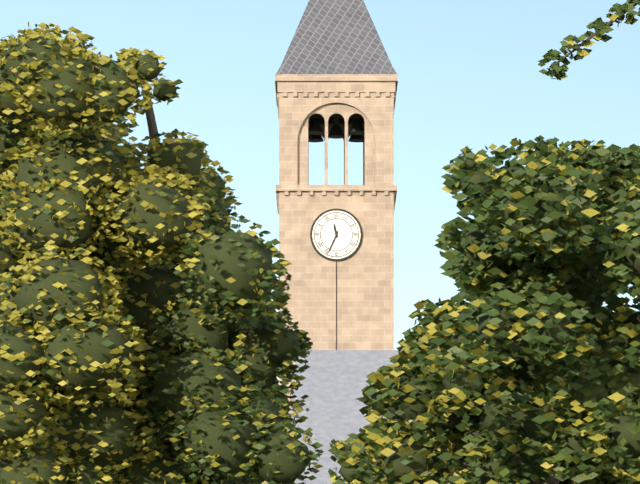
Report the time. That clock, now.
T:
11:34
